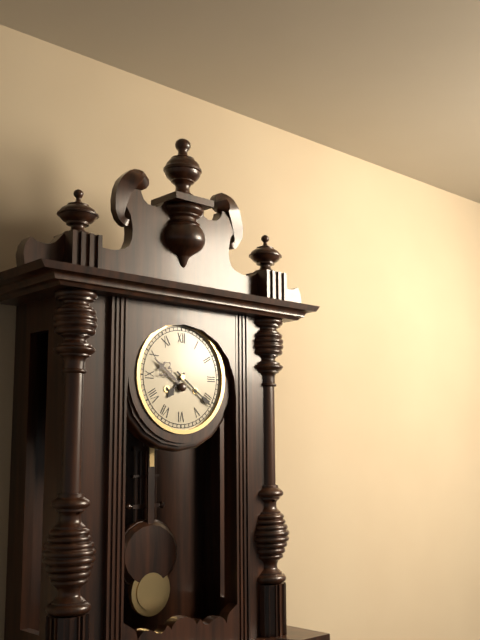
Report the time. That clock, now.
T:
7:21
